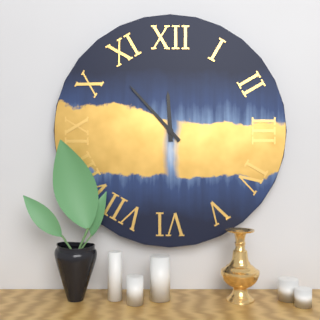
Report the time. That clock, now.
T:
11:53
